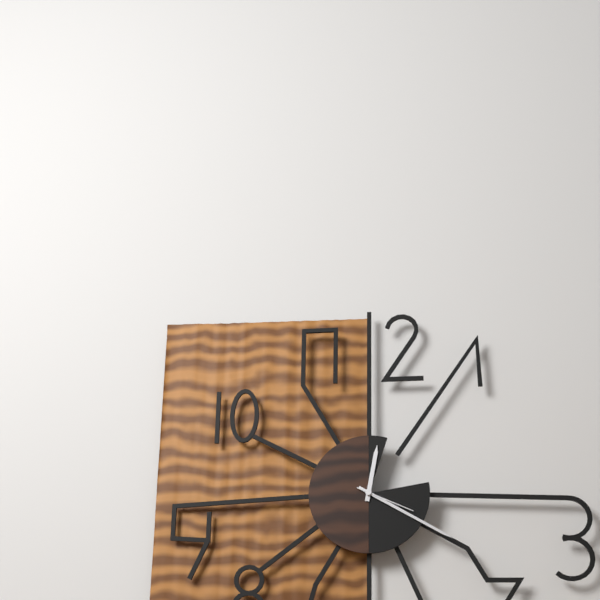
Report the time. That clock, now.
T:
12:20:19
